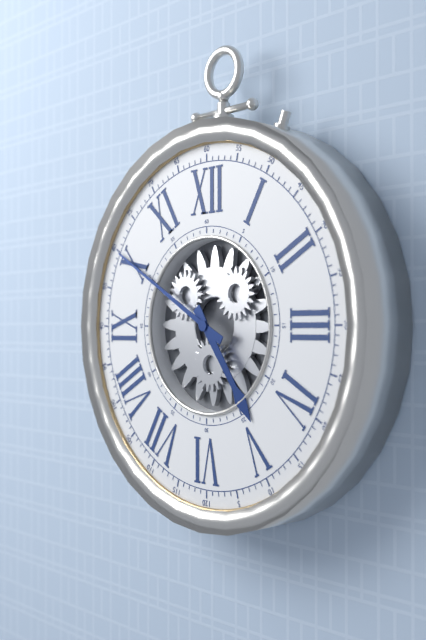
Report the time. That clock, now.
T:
4:50
